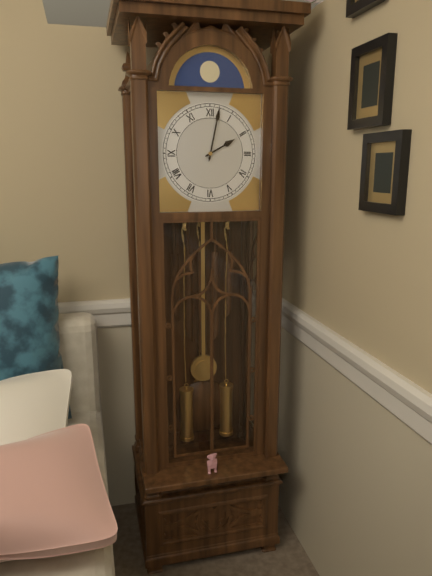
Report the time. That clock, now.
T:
2:02
